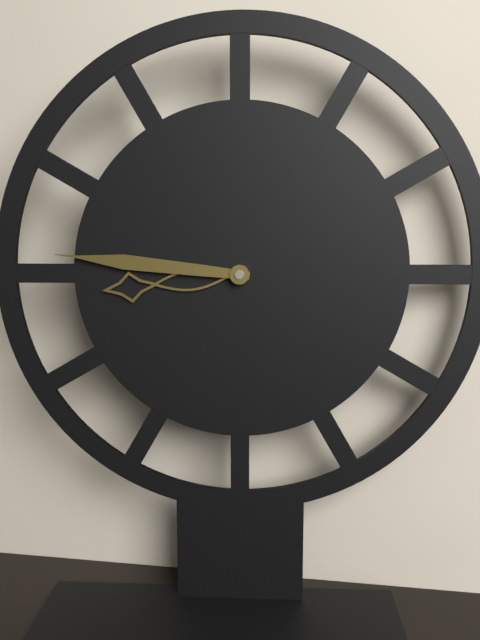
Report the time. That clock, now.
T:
8:46
